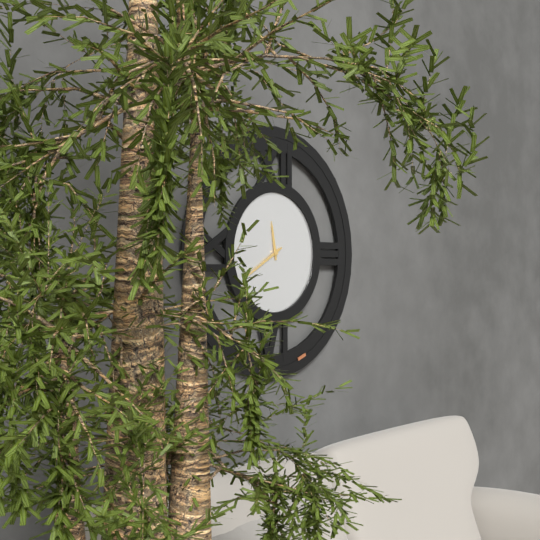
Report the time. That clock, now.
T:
11:40
